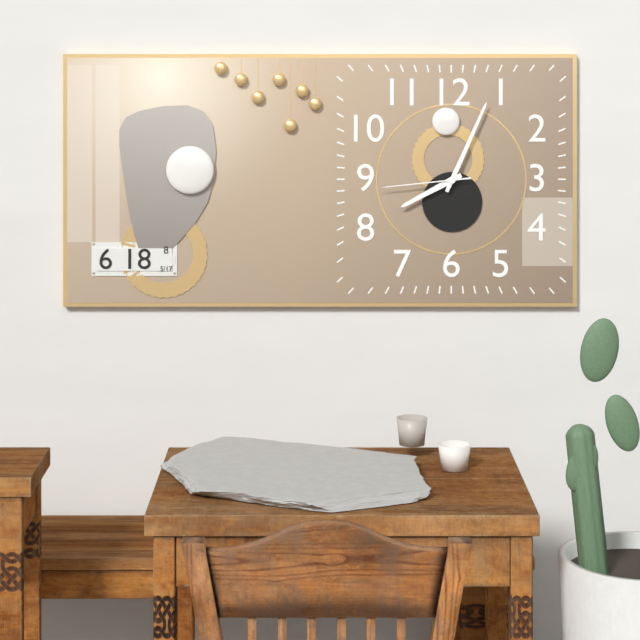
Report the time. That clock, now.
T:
8:04:44
